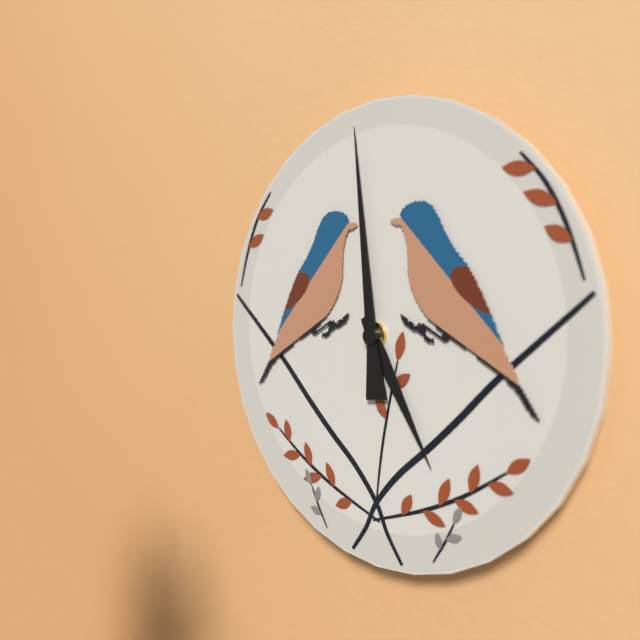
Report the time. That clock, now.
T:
4:59
